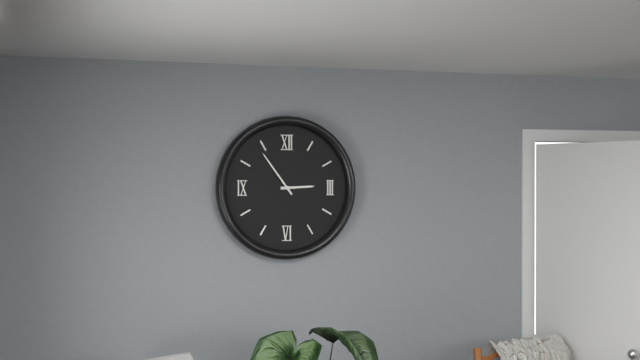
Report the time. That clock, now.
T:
2:54
